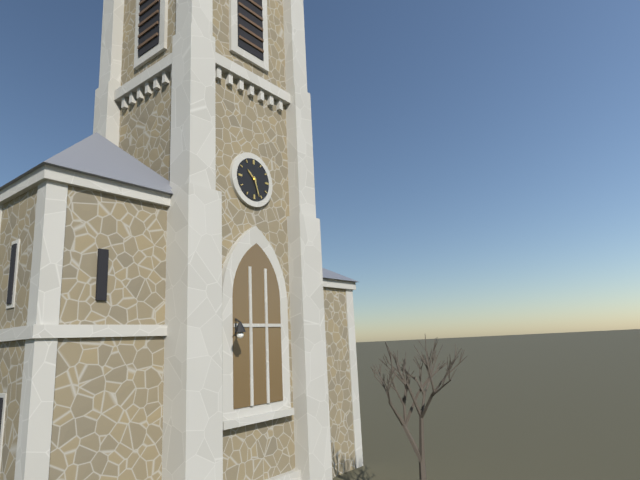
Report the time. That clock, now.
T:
10:27
